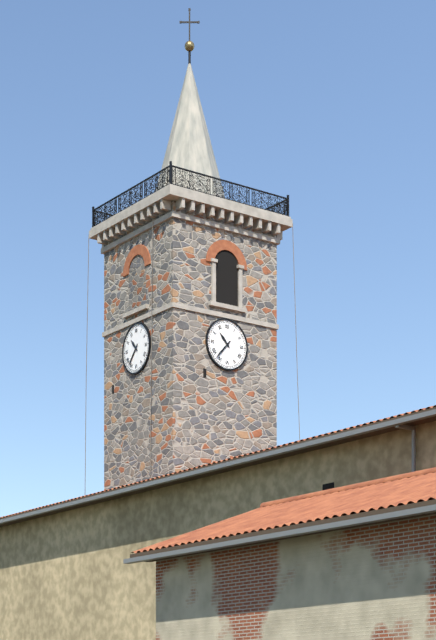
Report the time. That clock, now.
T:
10:37
